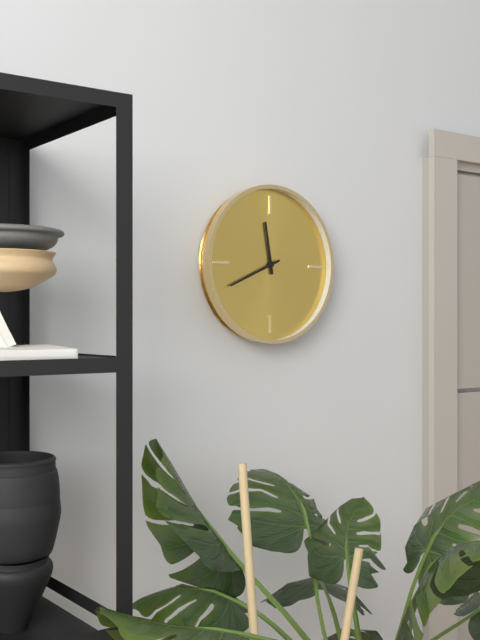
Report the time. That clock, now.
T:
11:41
